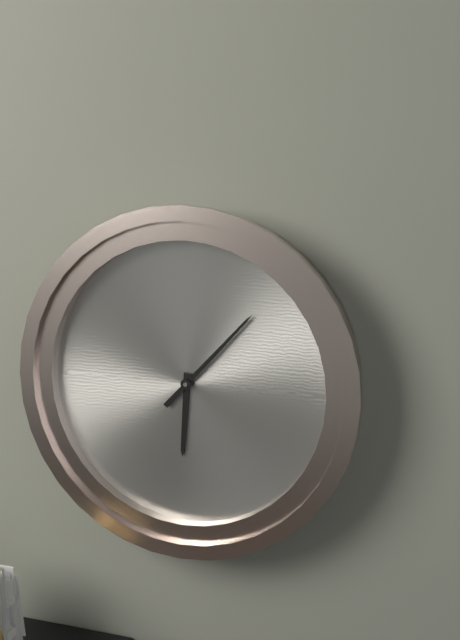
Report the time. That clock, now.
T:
6:07
